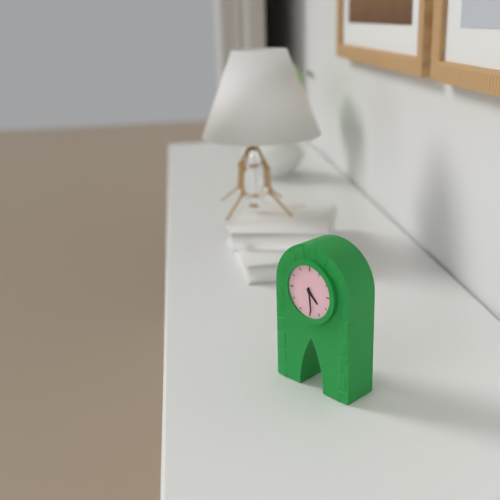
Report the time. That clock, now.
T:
4:29
